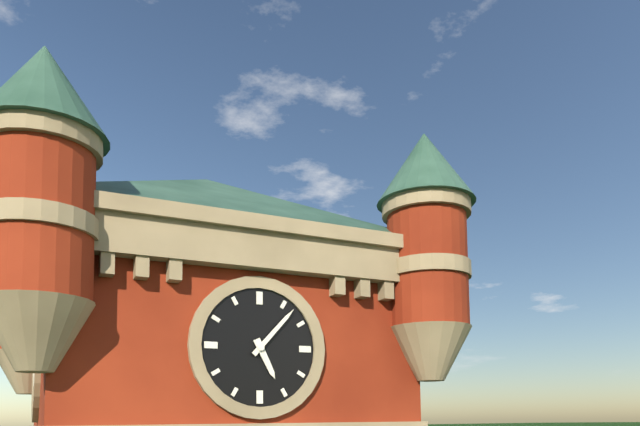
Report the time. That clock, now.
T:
5:07
